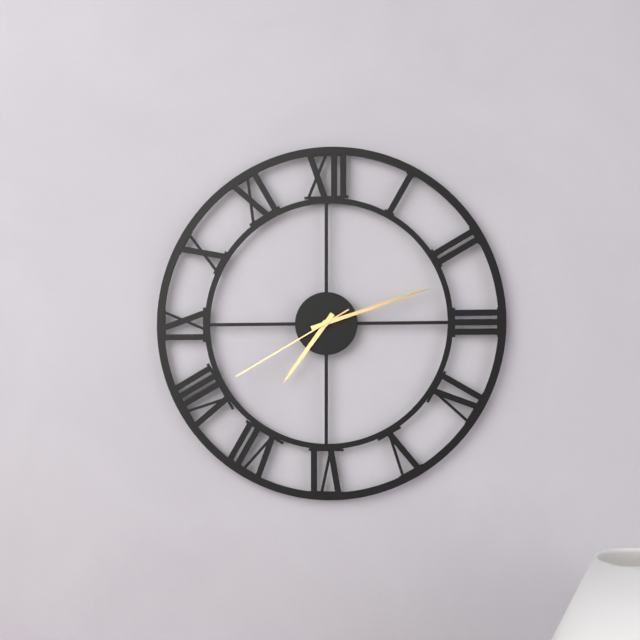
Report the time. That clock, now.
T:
7:12:40
